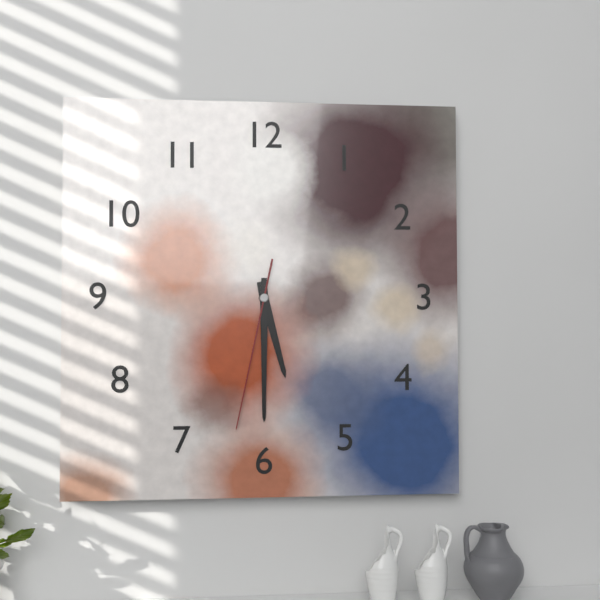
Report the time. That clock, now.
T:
5:30:32
